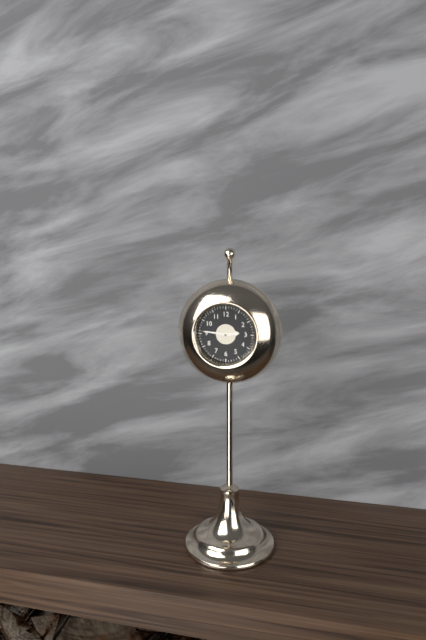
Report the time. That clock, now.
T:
2:46
